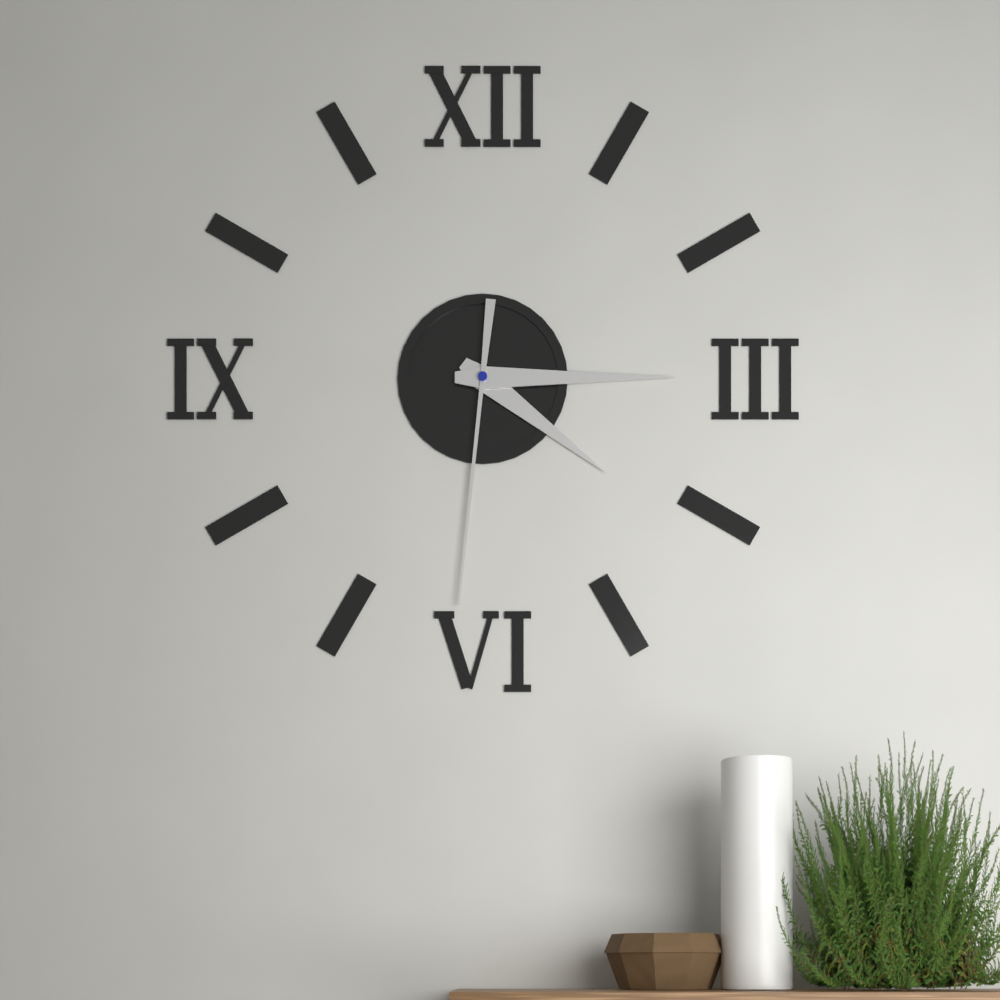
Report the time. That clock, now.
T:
4:15:31
